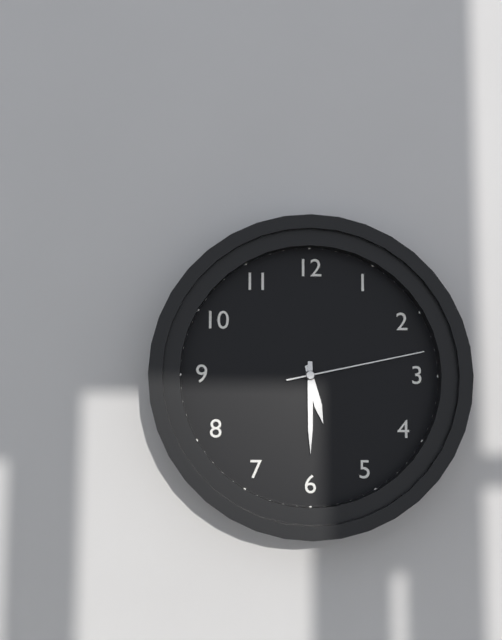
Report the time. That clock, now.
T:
5:30:13
